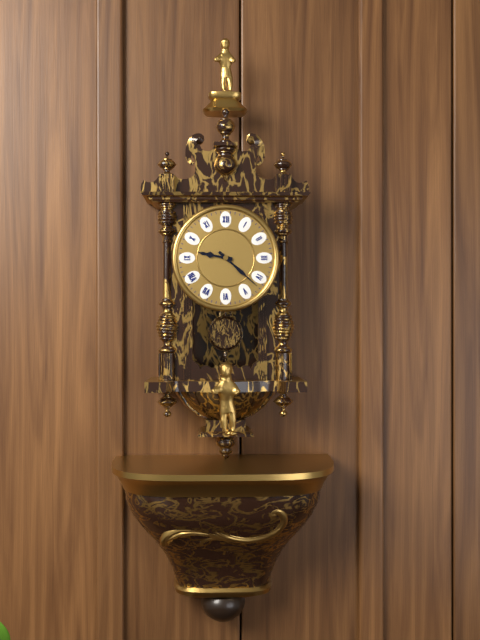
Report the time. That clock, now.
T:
9:22
